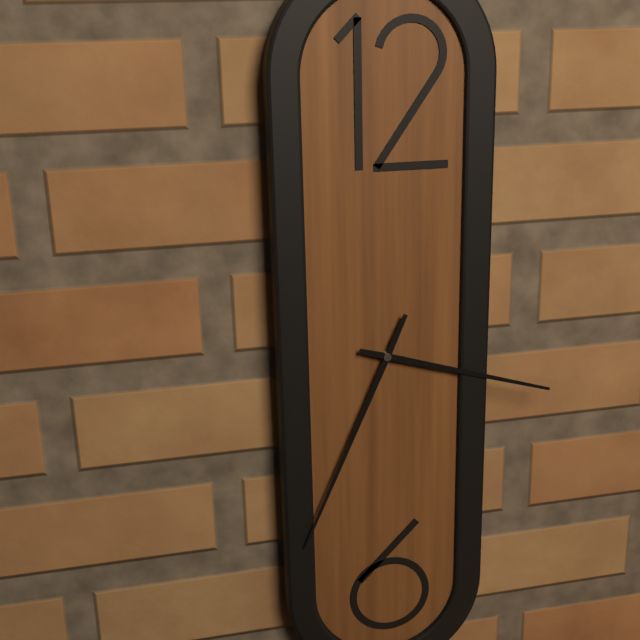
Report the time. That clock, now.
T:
3:34
